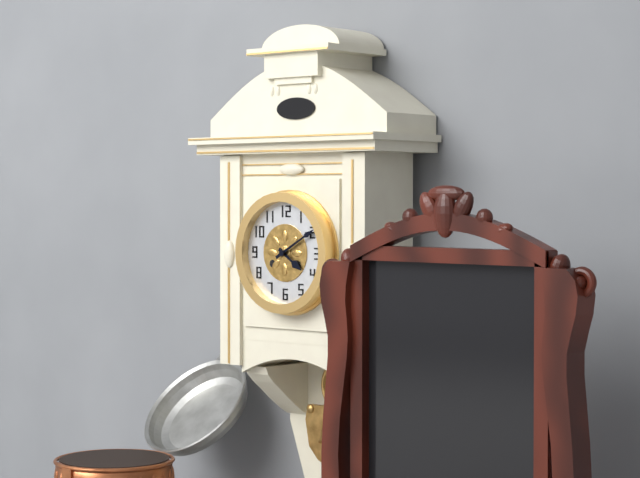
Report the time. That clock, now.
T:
4:10
